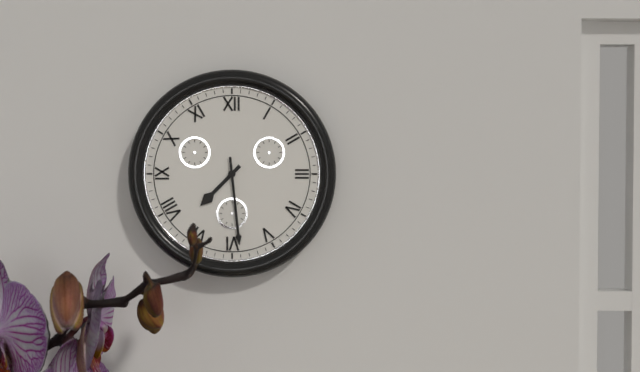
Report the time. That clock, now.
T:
7:29
